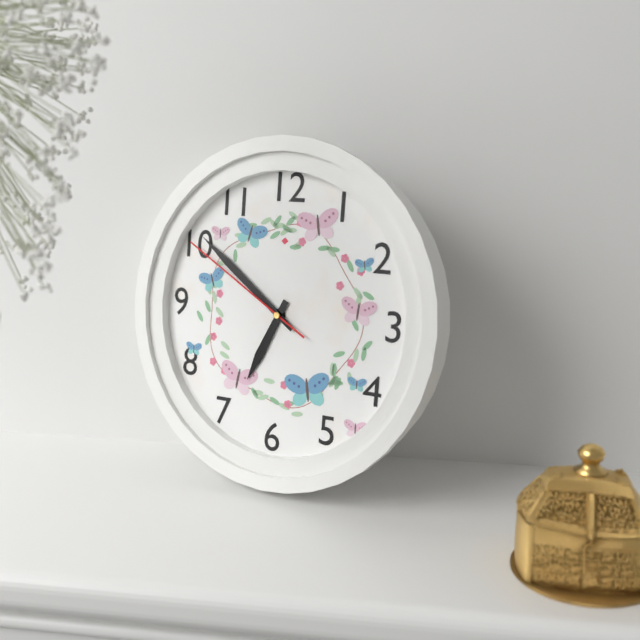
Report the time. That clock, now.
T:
6:51:50
